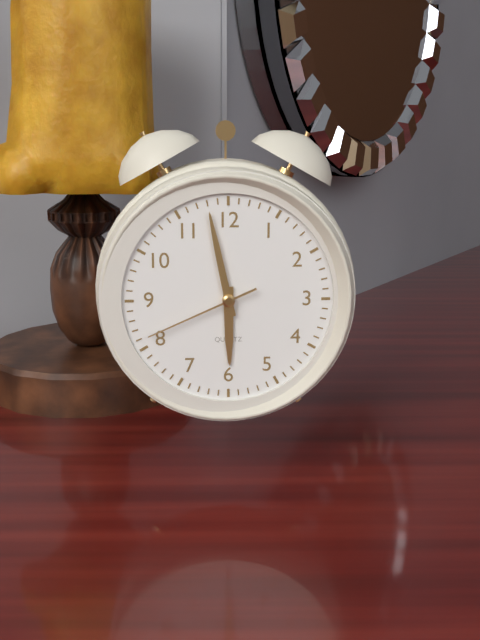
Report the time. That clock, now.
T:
5:58:41
